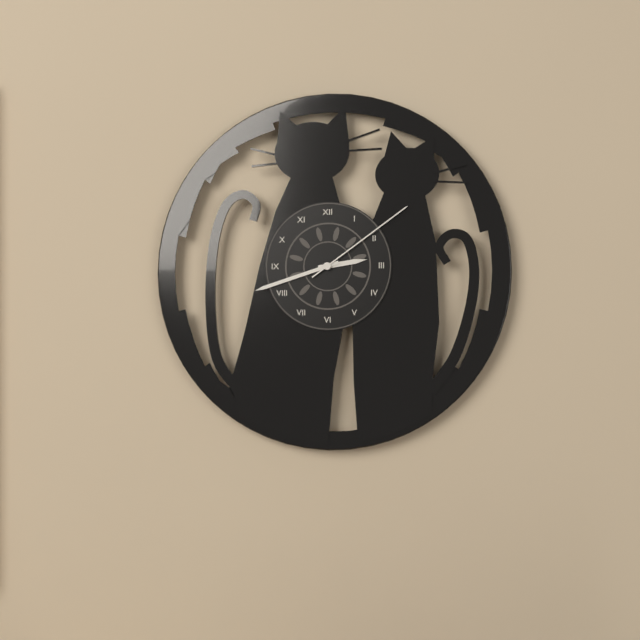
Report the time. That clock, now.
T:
2:42:09
